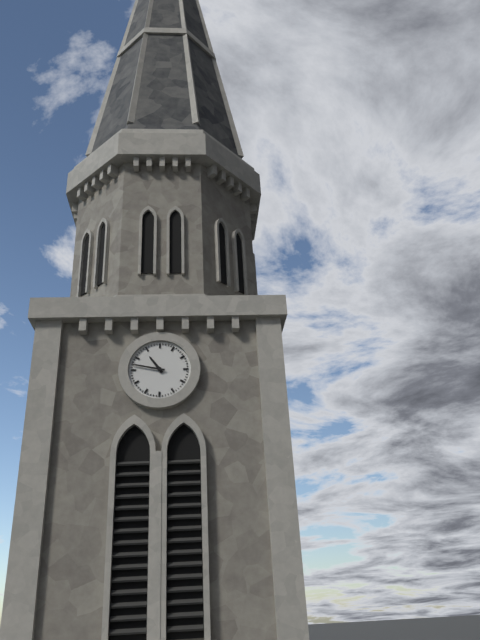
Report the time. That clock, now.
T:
10:47
